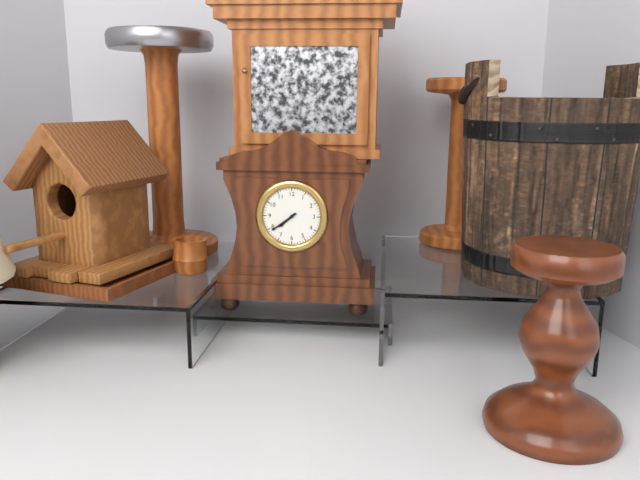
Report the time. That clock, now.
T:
7:39
